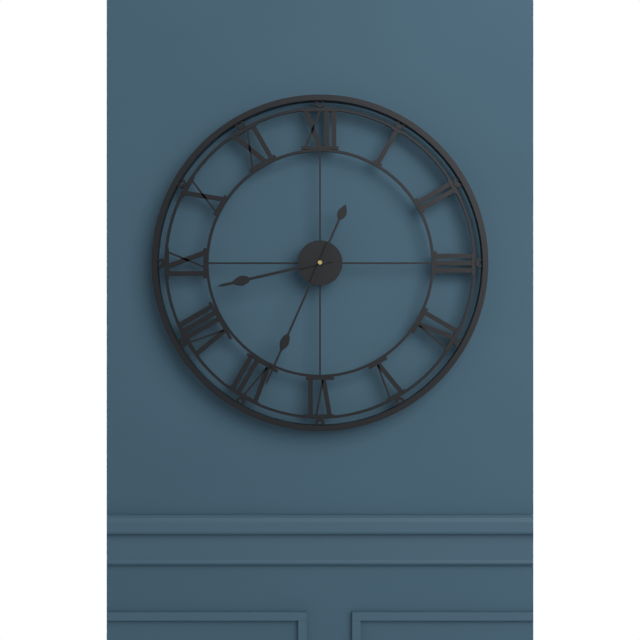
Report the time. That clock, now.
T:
8:34
